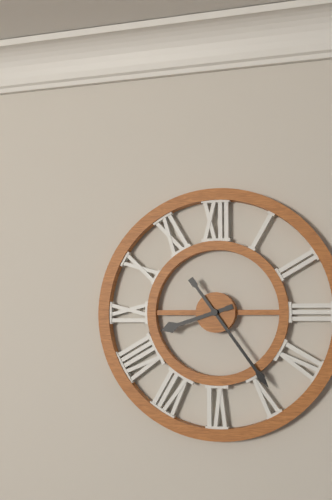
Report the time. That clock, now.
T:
8:24
